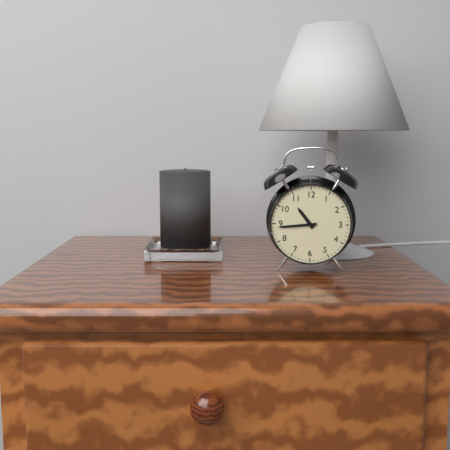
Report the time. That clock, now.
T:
10:44
